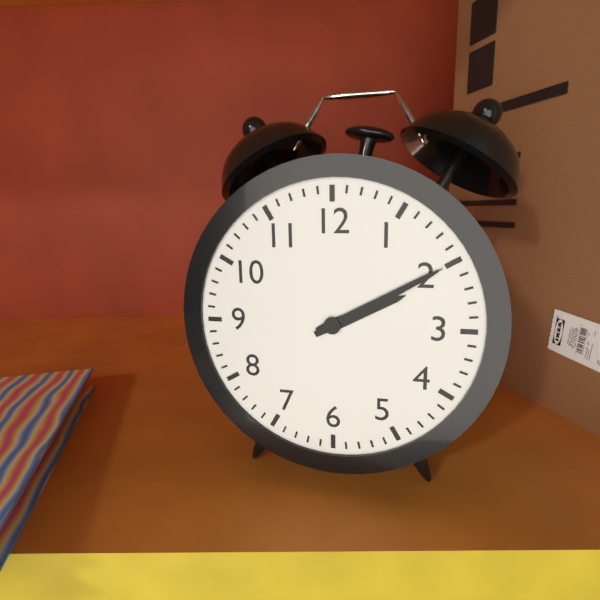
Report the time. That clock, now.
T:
2:10
